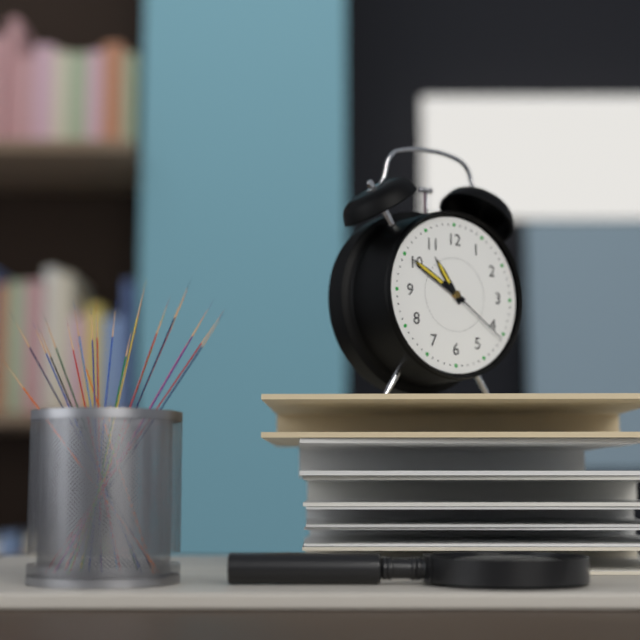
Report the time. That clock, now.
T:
10:50:21
